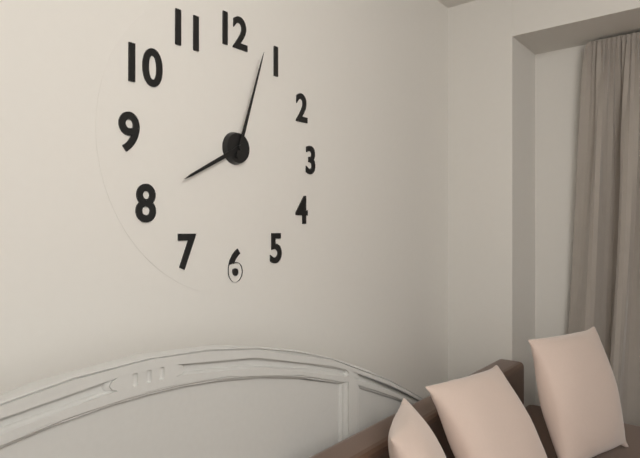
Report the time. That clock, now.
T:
8:03
